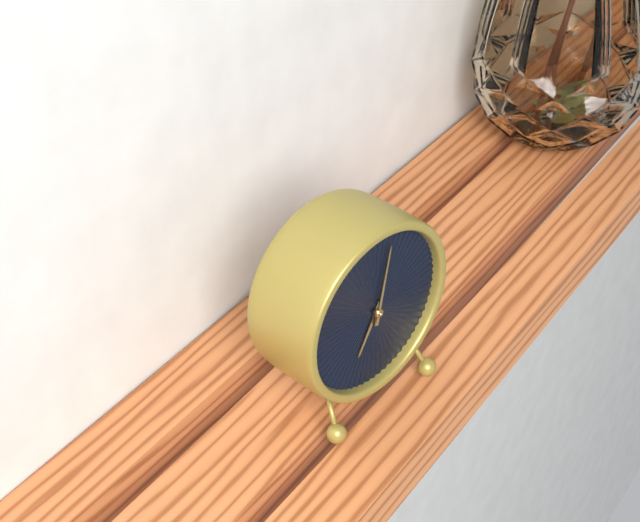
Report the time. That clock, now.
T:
7:02
